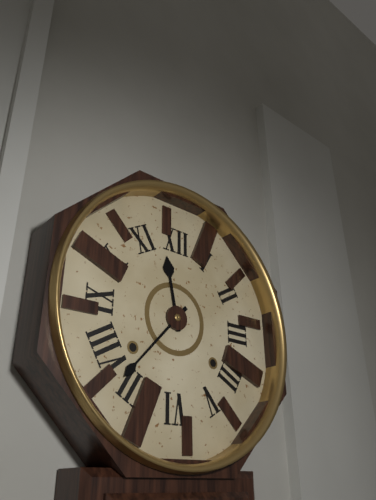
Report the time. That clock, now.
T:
11:37
